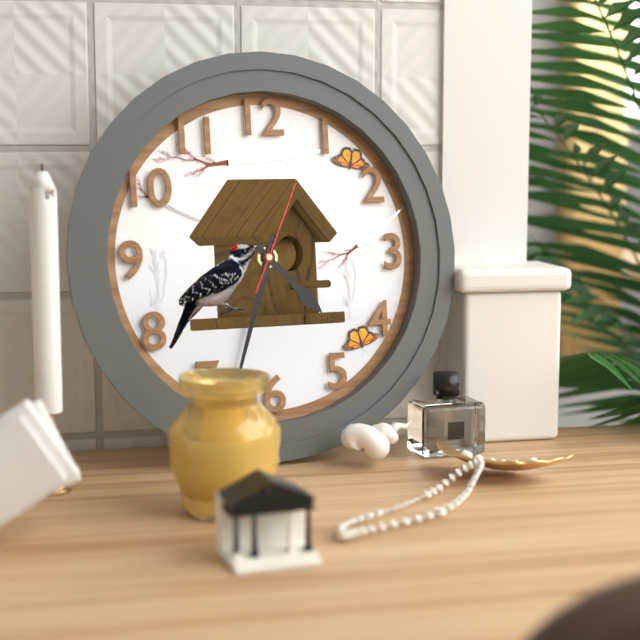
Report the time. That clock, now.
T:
4:33:04
